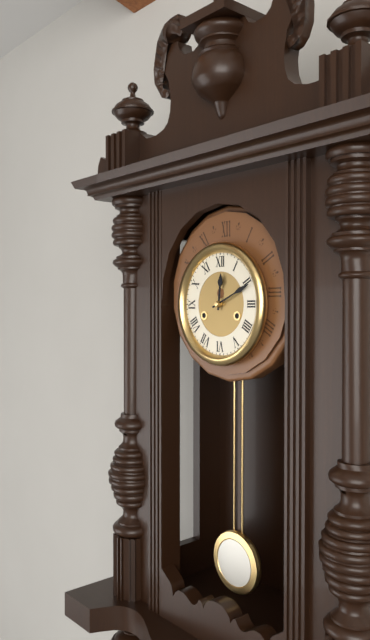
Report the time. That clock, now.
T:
12:11
